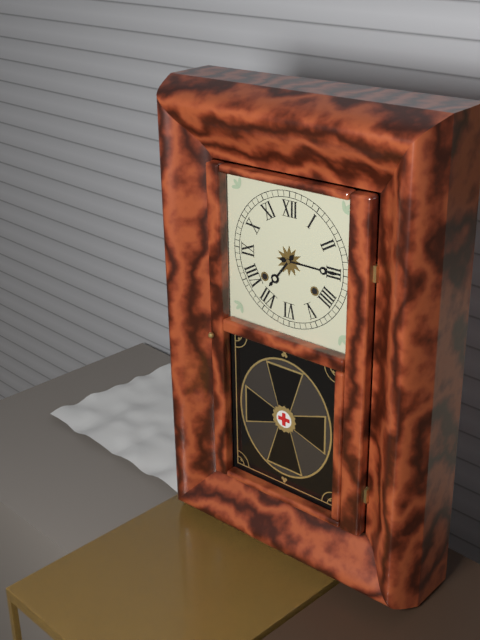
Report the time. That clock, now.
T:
7:15
